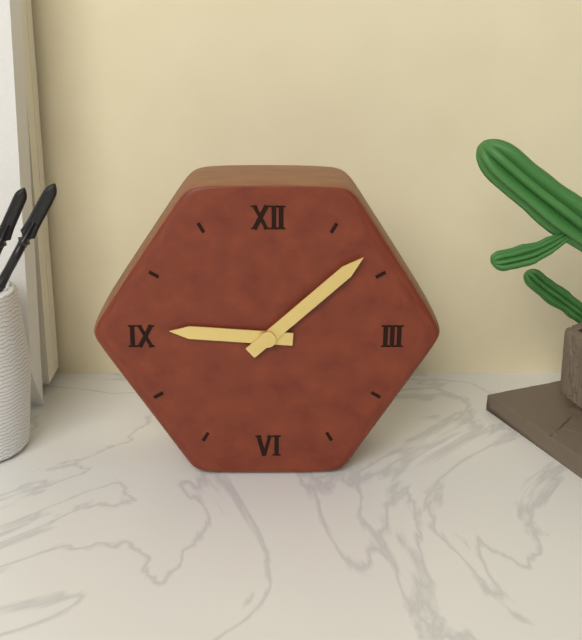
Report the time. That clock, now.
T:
9:08
